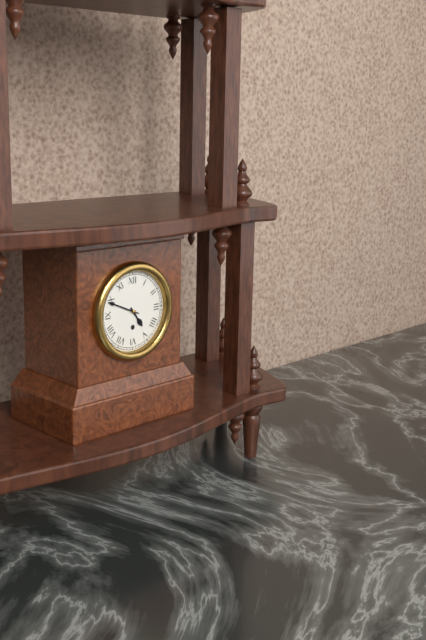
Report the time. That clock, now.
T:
4:49
